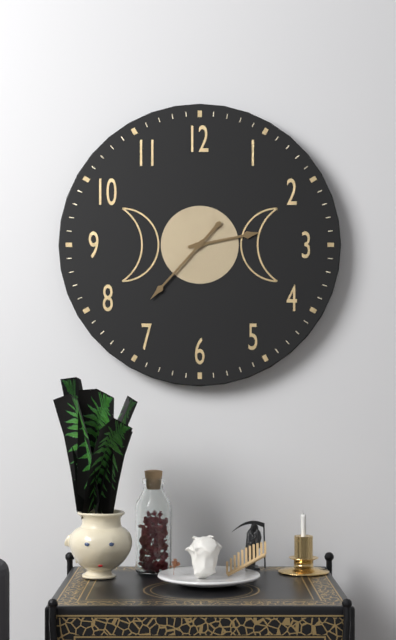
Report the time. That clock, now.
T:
2:37
